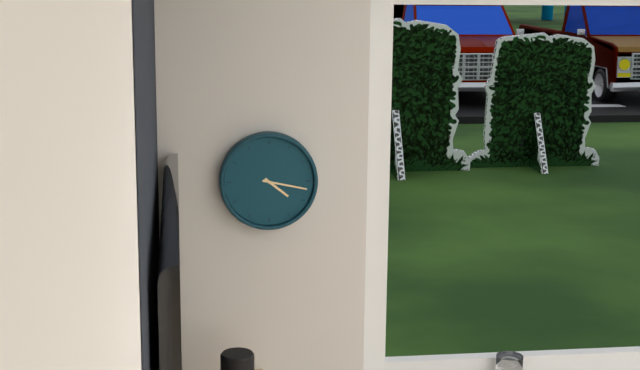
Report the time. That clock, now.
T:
4:17
